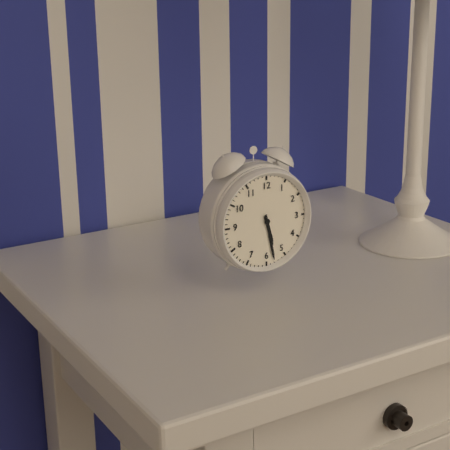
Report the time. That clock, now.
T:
5:28
